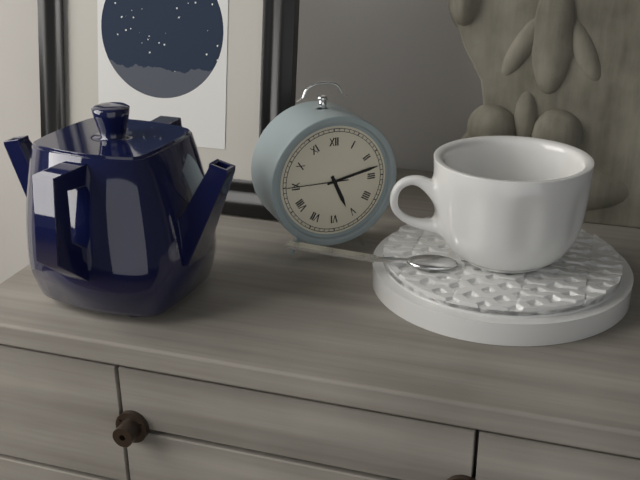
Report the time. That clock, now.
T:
5:13:45
